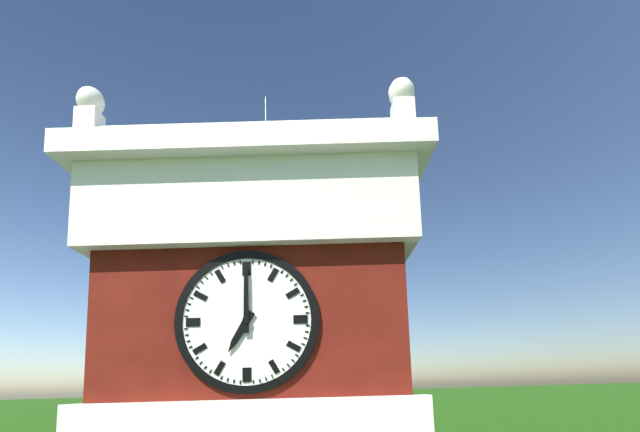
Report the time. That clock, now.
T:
7:00
